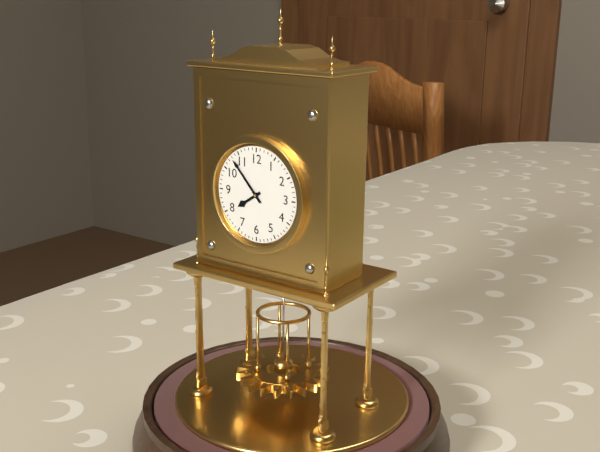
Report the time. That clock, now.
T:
7:53
